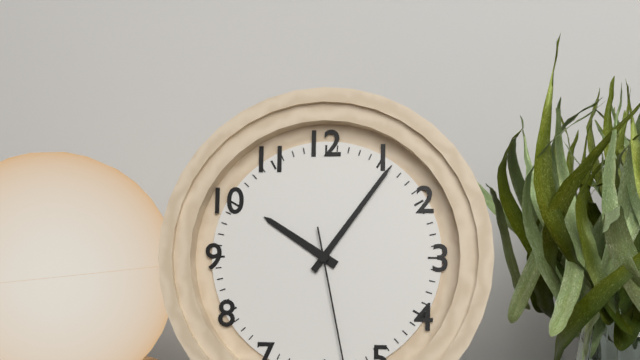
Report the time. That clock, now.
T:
10:06
